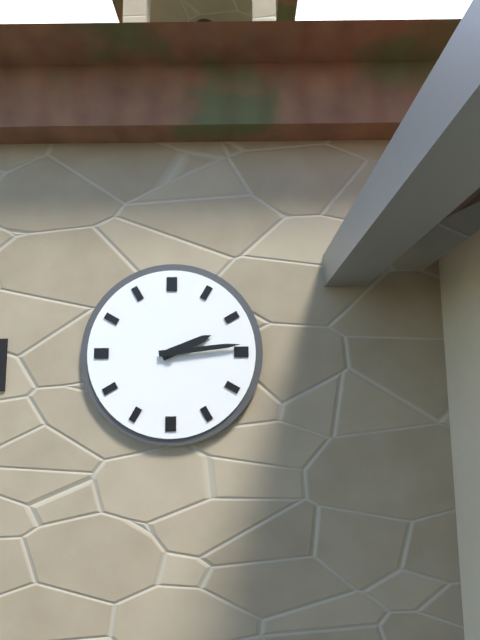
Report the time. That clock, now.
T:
2:14
